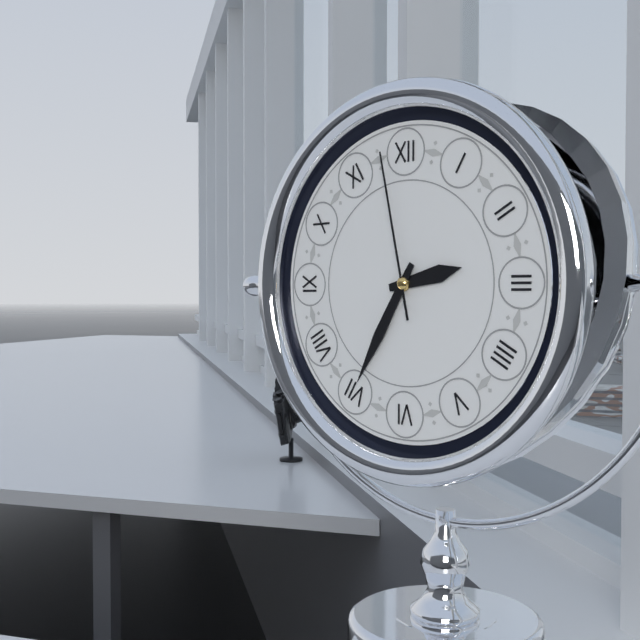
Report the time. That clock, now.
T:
2:35:58
